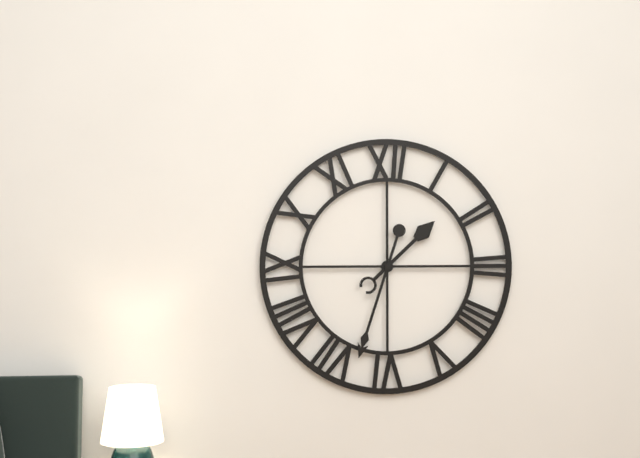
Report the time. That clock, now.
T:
1:33
